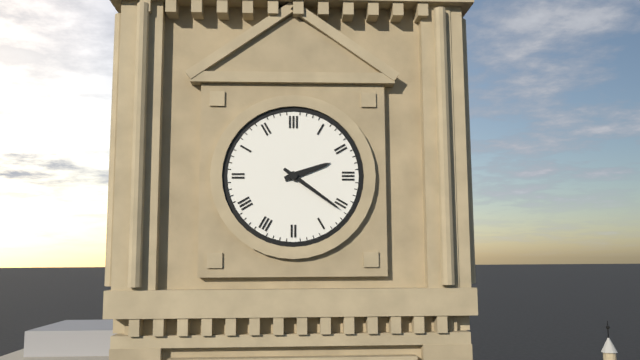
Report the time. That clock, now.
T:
2:21
